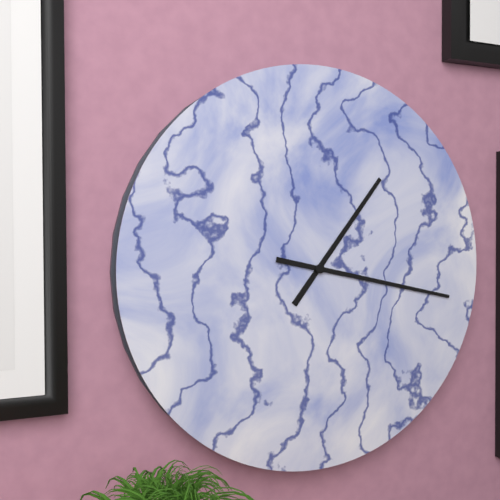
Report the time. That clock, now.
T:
1:17
